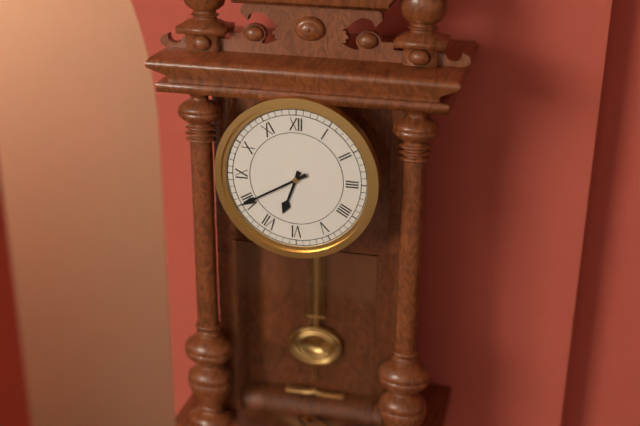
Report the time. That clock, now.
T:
6:40
